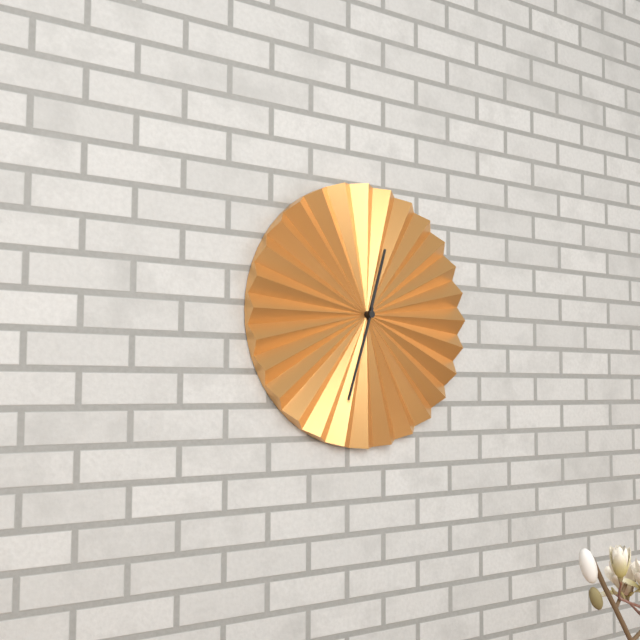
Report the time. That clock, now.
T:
12:33
